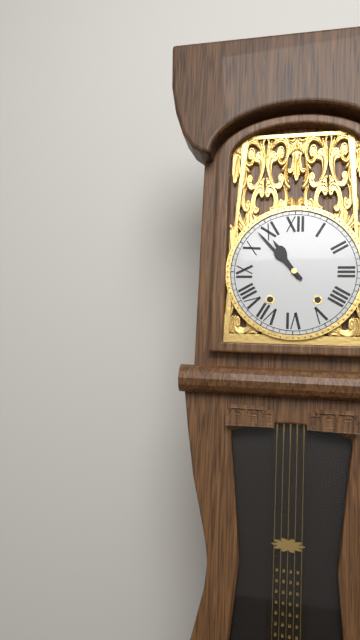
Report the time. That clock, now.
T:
10:53
